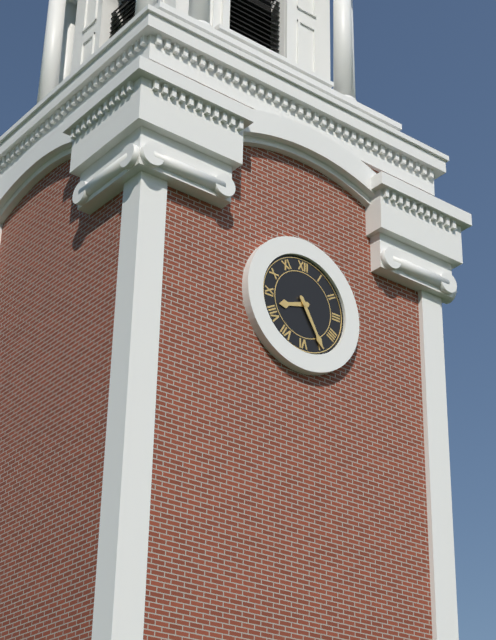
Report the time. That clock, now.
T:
8:25
